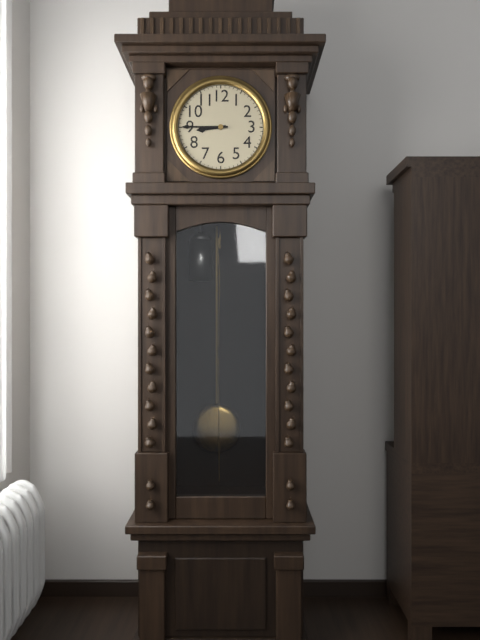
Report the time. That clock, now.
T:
8:45
